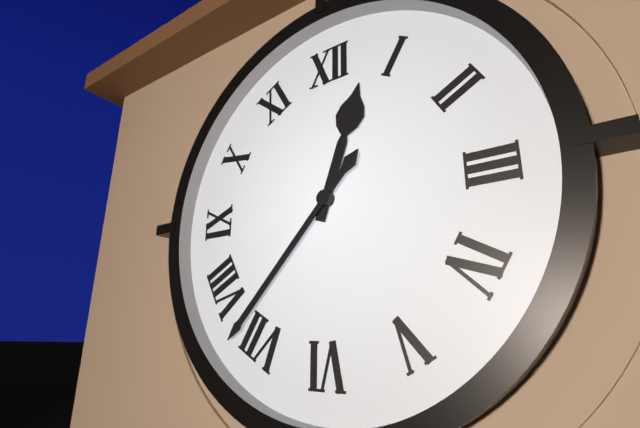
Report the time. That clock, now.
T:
12:37
